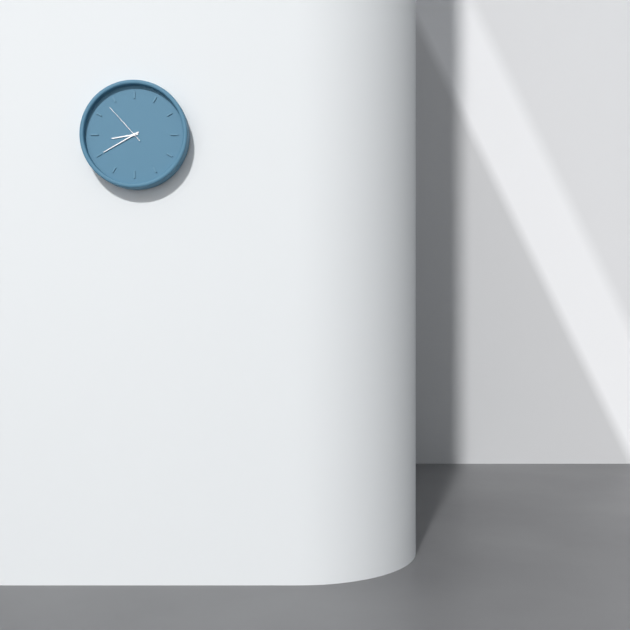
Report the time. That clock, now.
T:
8:40
